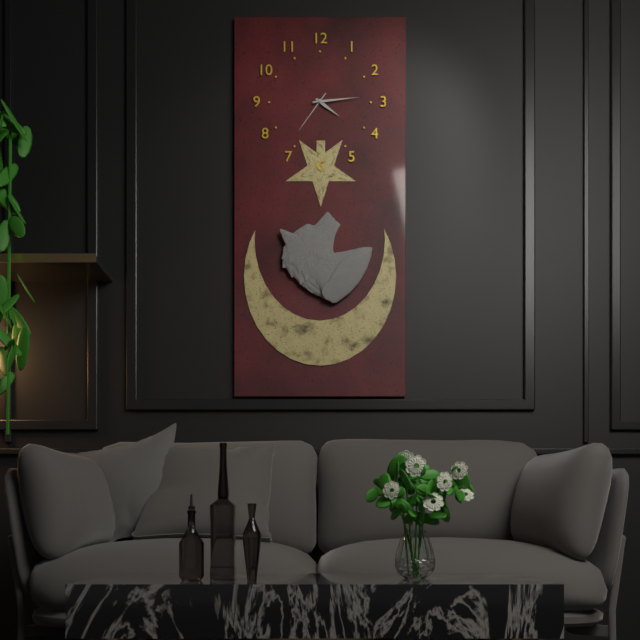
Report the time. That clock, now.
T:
4:14
